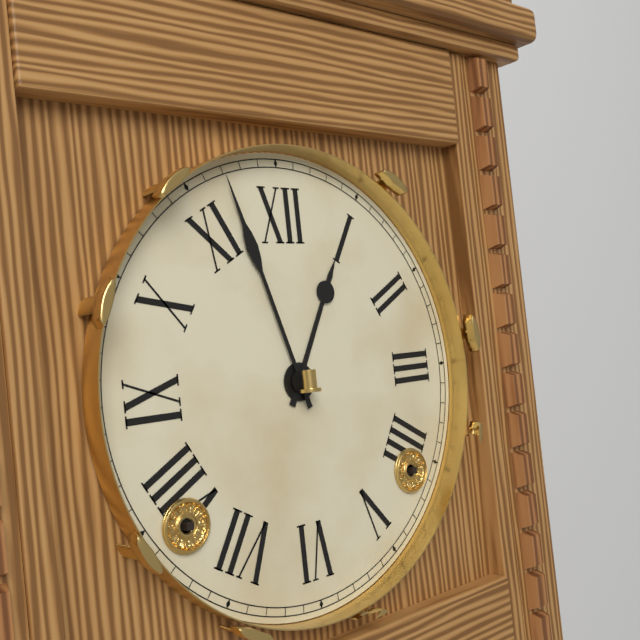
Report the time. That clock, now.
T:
12:57
